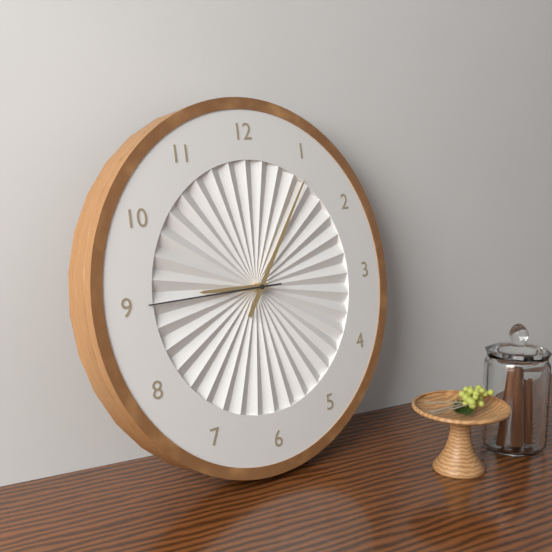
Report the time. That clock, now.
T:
9:06:45
